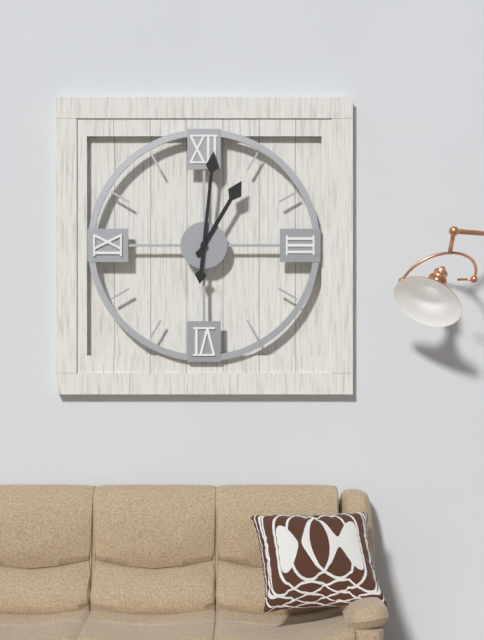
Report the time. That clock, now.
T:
1:01
